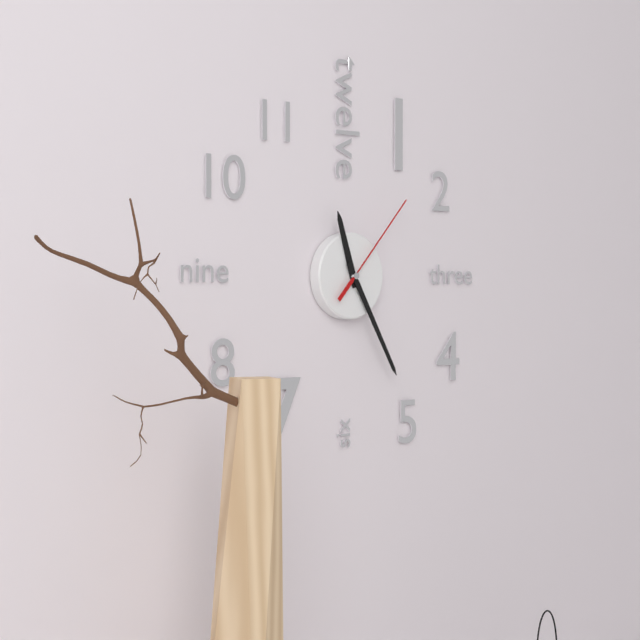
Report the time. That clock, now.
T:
11:25:07
